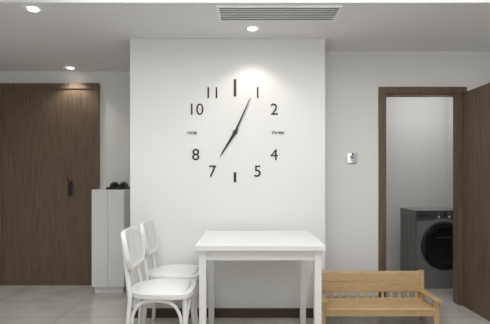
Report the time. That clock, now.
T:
7:04
